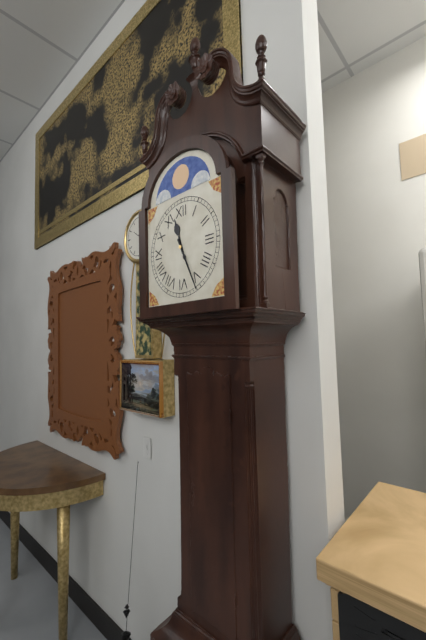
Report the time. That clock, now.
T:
11:26
